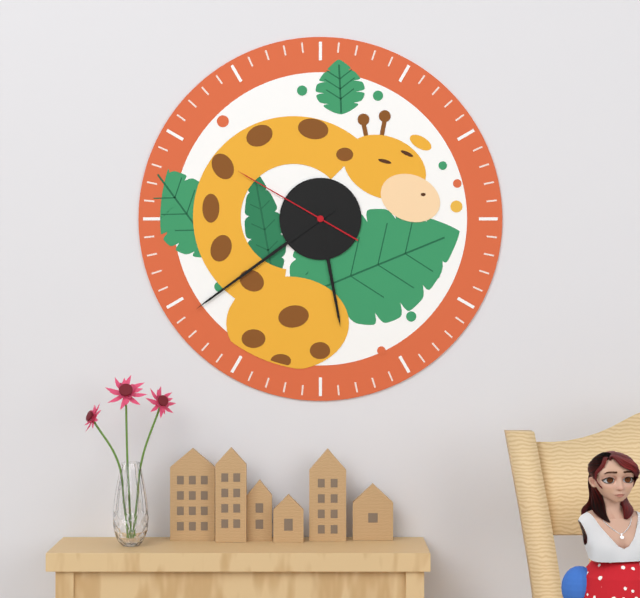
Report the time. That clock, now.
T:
5:39:50
